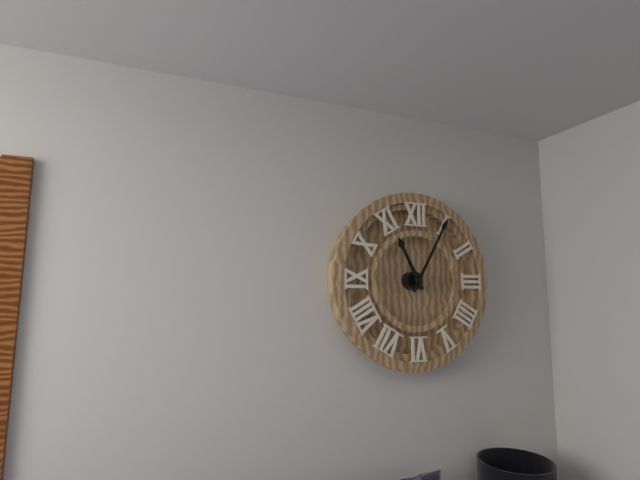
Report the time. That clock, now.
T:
11:05
